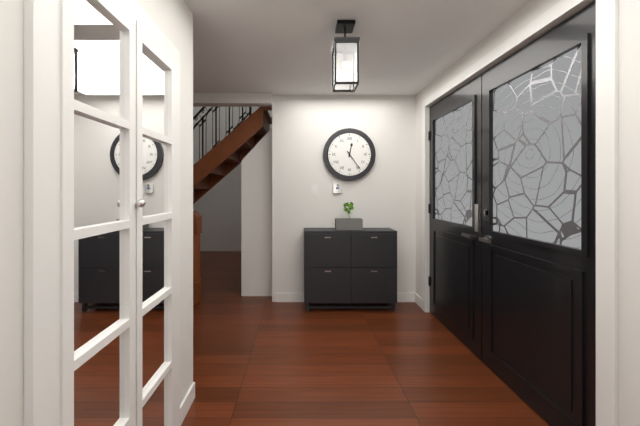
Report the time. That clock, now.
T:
12:24
